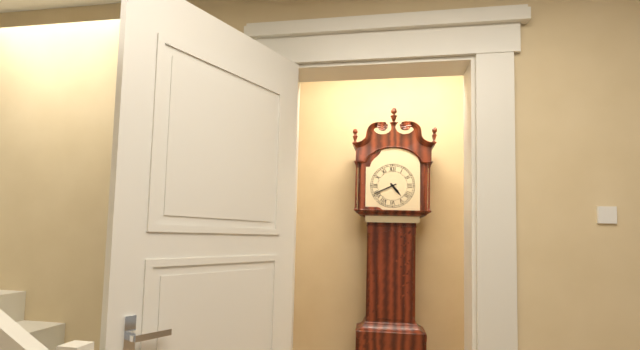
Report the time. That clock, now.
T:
4:41
